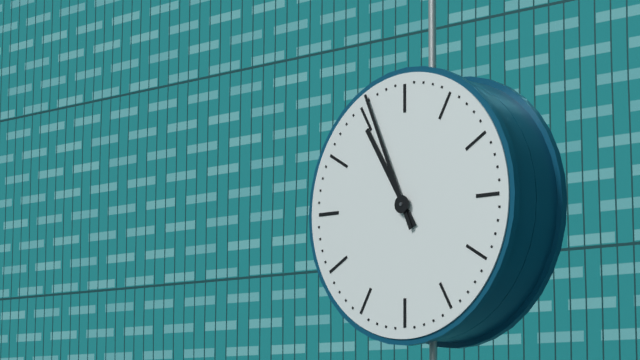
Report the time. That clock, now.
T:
10:56
